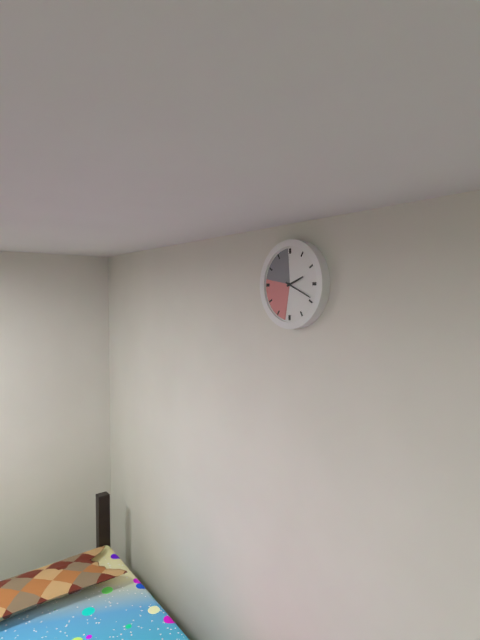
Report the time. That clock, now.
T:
2:19
